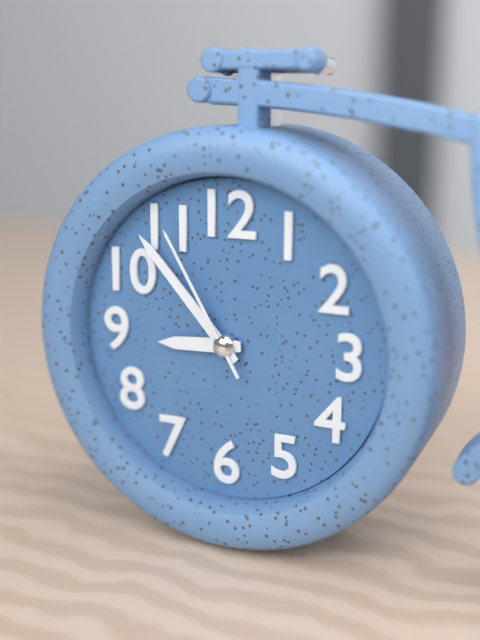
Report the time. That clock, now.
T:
8:53:55
